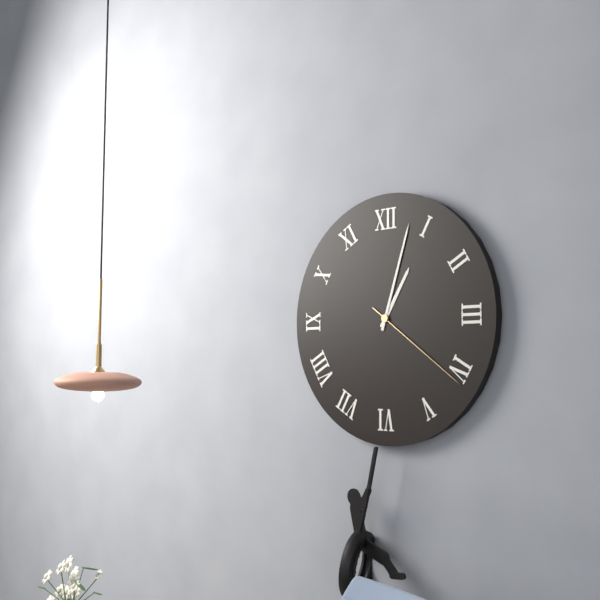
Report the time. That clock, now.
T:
1:03:21
